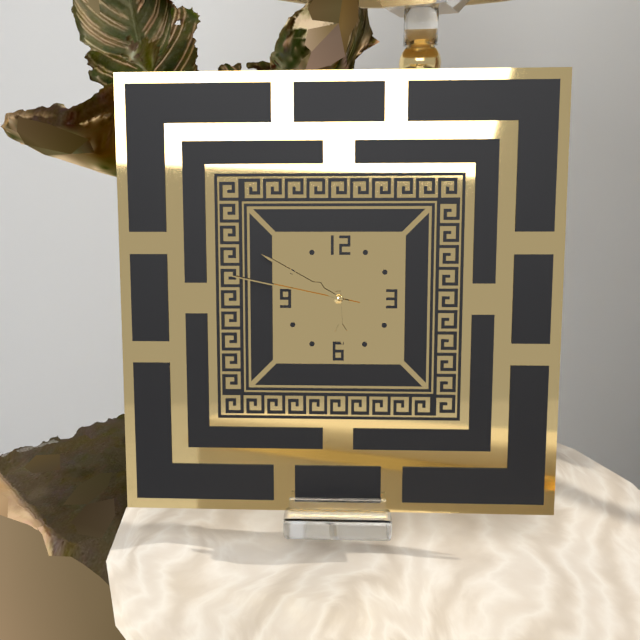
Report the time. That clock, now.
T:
5:50:47
